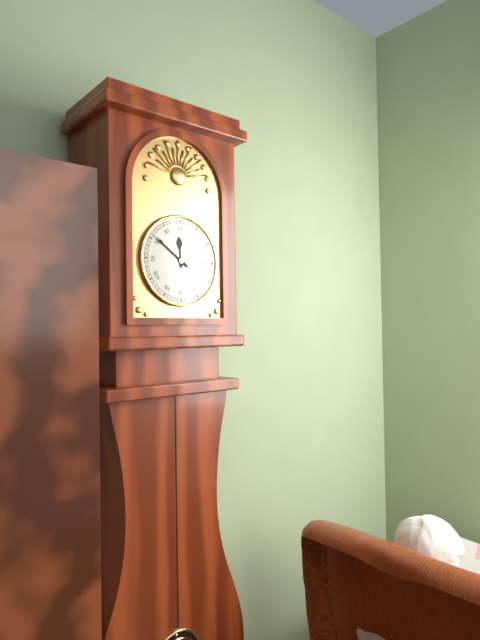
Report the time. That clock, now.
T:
11:51
